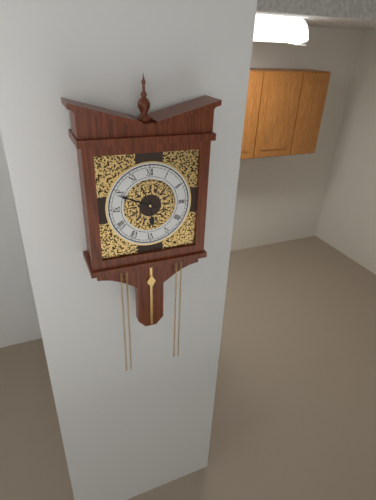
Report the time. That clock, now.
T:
5:49
